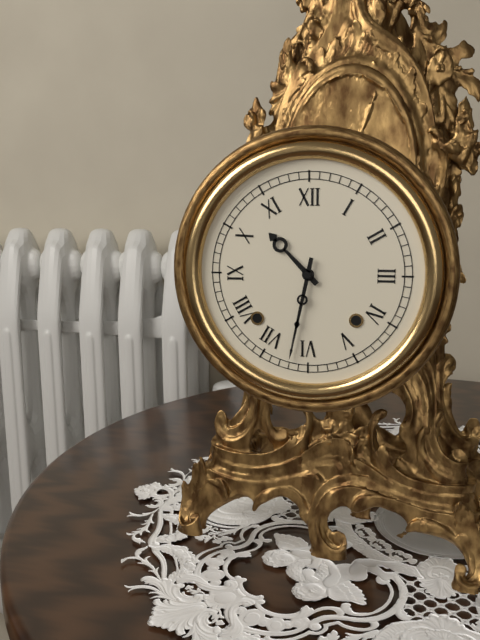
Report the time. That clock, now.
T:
10:32
